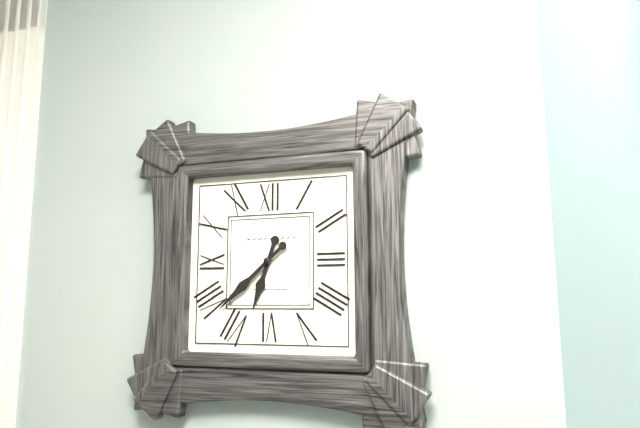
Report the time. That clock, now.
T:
6:38
